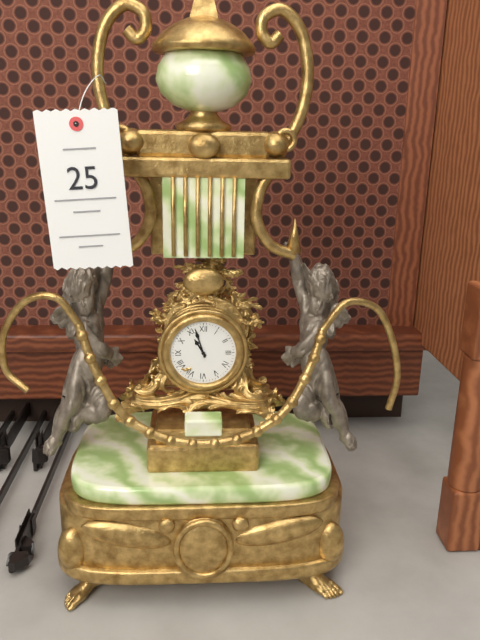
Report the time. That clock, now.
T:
10:57
